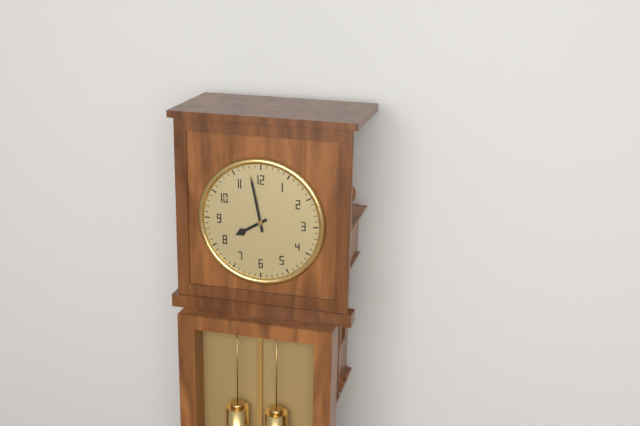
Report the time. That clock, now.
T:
7:58
